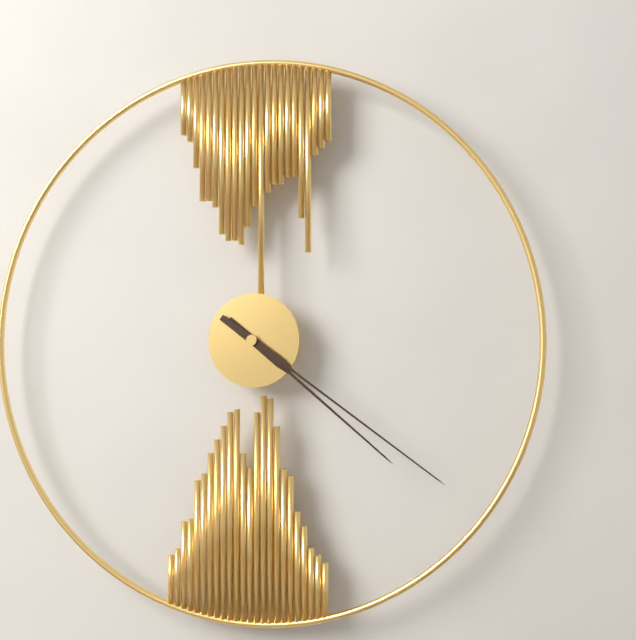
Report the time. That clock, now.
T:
4:21
